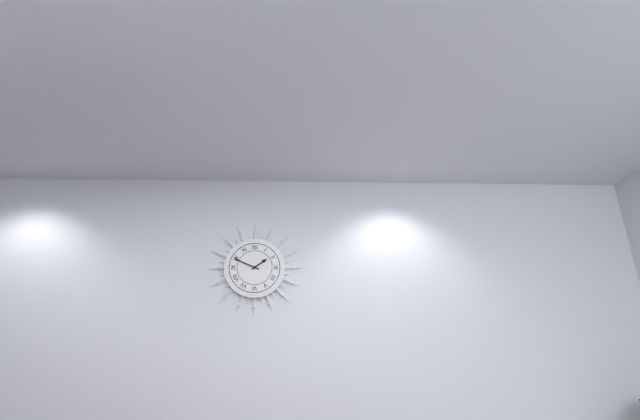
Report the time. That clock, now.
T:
1:49
